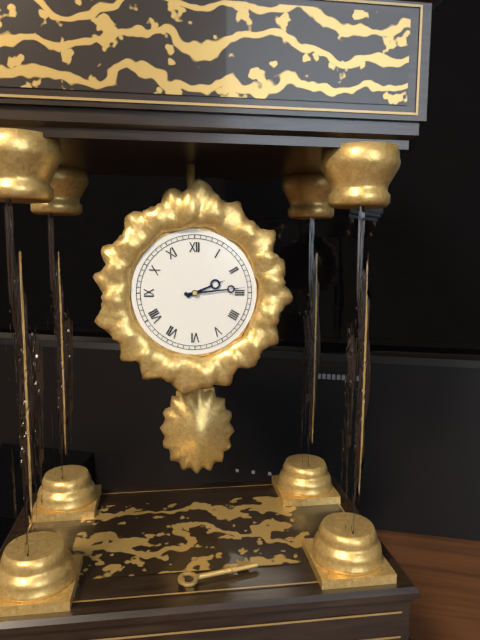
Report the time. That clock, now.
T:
2:14
